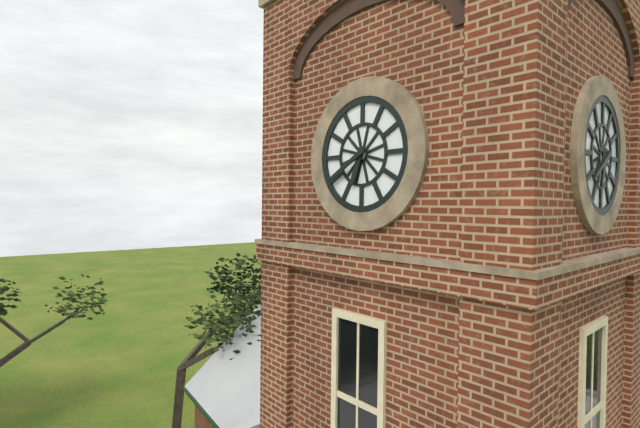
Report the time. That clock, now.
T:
6:40
